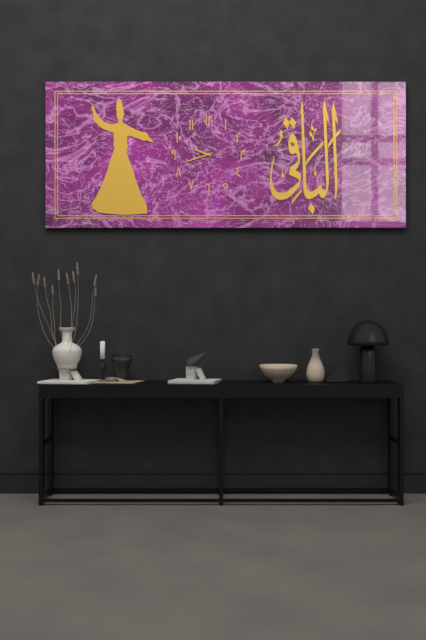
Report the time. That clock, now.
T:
9:42
